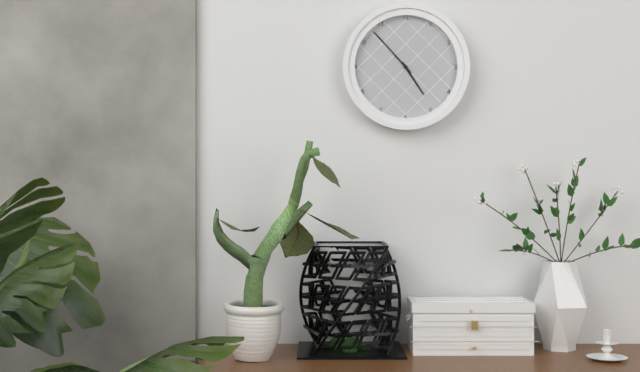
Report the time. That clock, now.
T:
4:53
